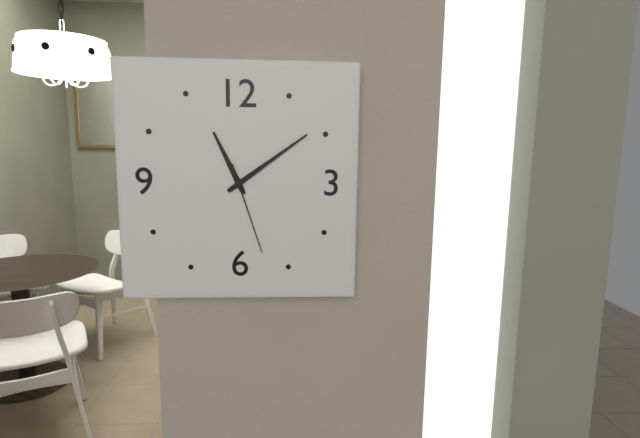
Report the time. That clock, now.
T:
11:09:27
